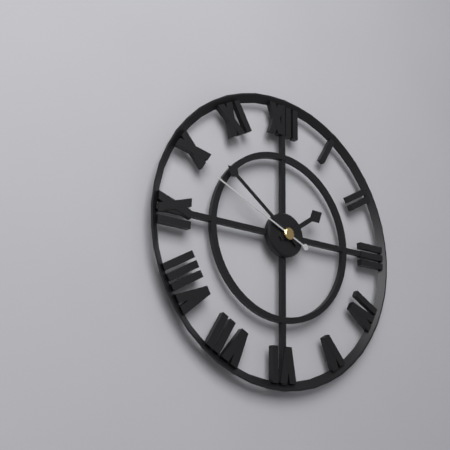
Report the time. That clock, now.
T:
1:51:49
